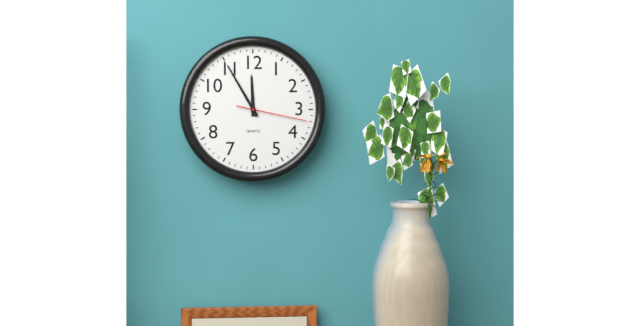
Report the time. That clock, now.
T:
11:55:17
